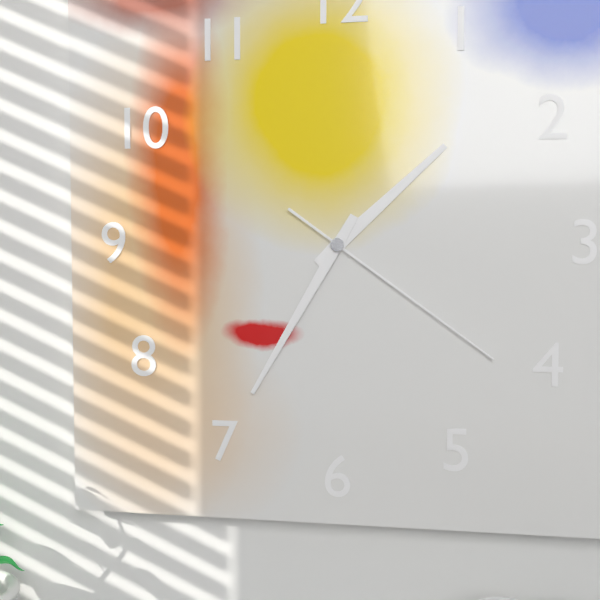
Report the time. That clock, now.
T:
1:35:21
